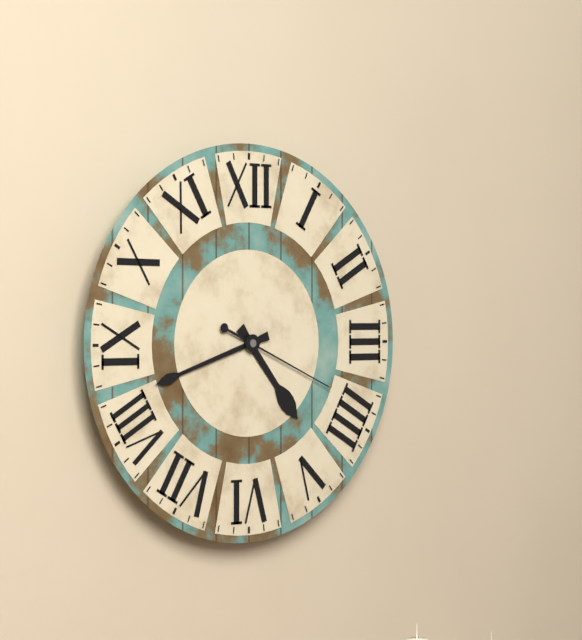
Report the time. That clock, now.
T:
4:42:19
